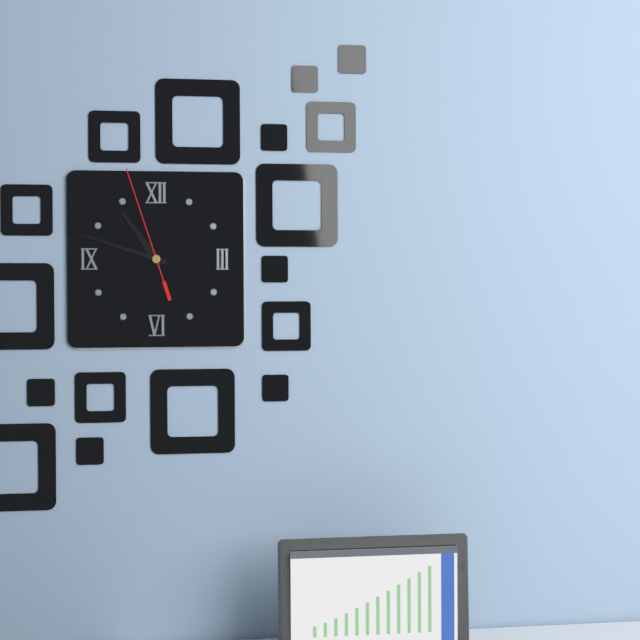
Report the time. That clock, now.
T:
10:48:57
